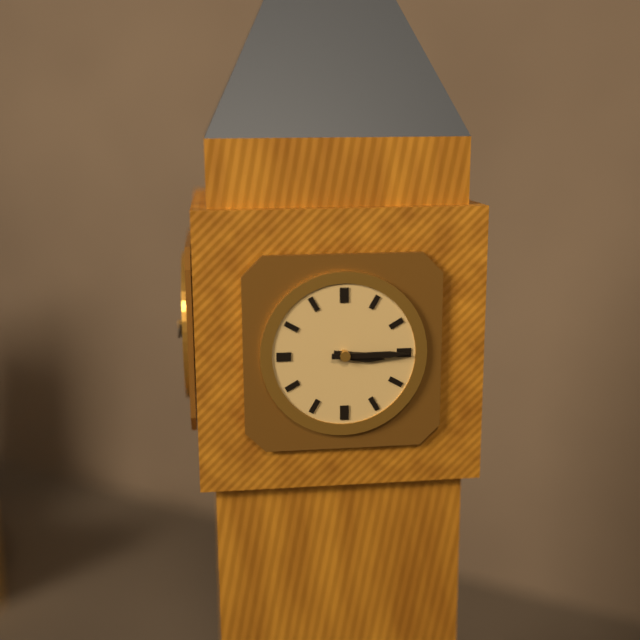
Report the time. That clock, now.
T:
3:15
